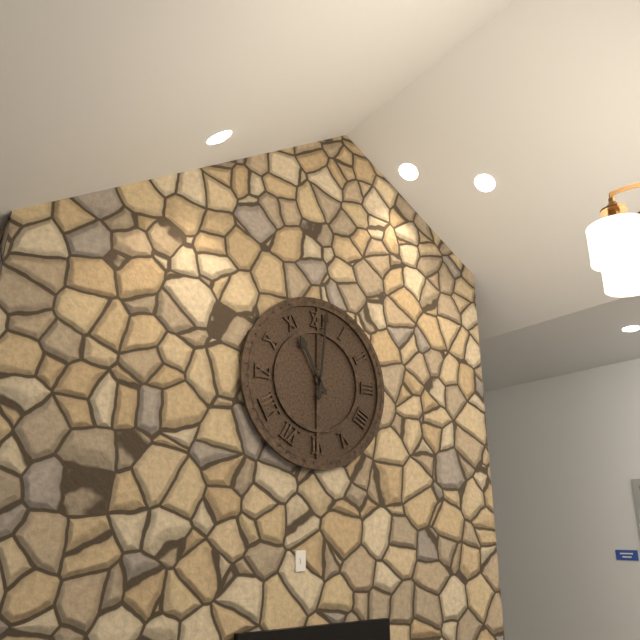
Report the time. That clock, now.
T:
11:01
